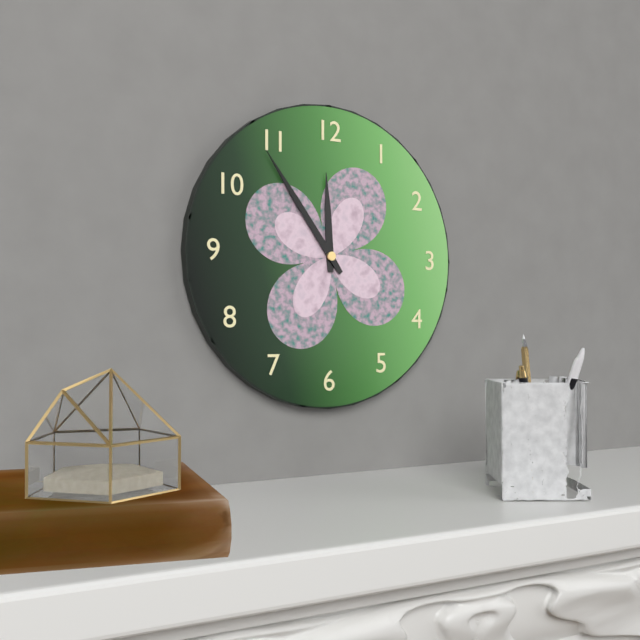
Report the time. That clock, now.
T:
11:54
